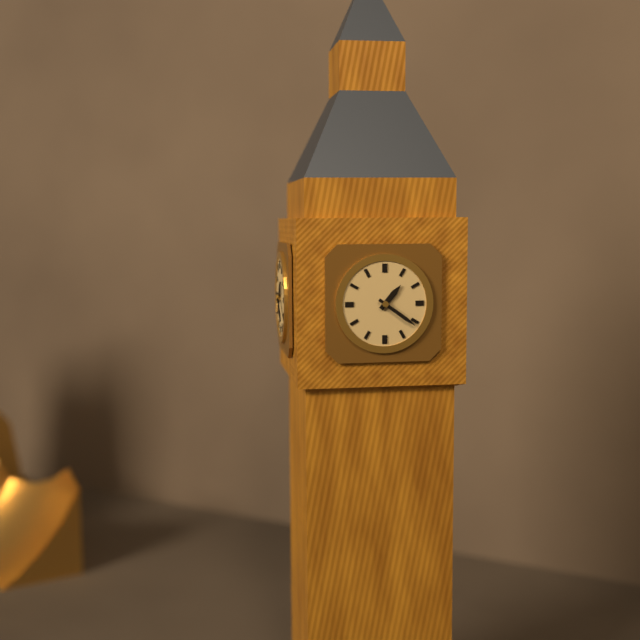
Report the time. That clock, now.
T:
1:21
